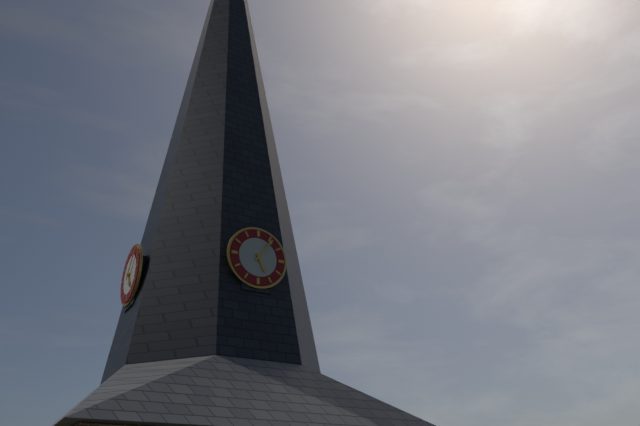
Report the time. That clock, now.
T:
5:06
